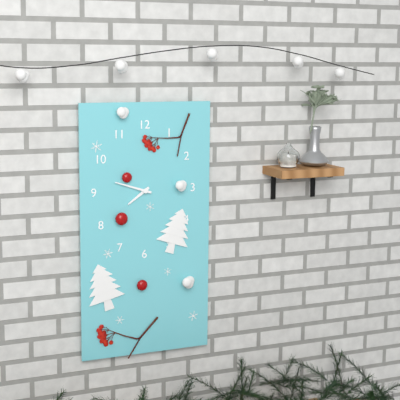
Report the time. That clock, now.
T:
7:48
